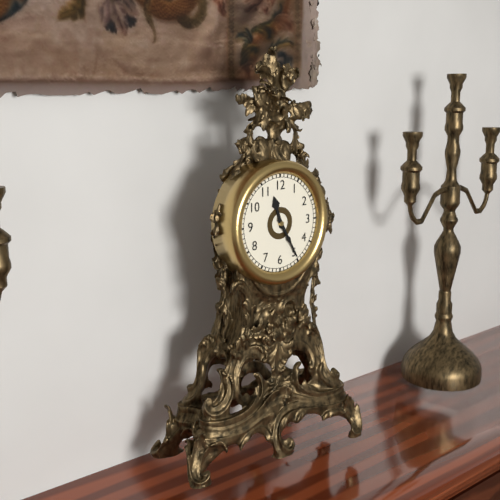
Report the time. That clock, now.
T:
11:25
